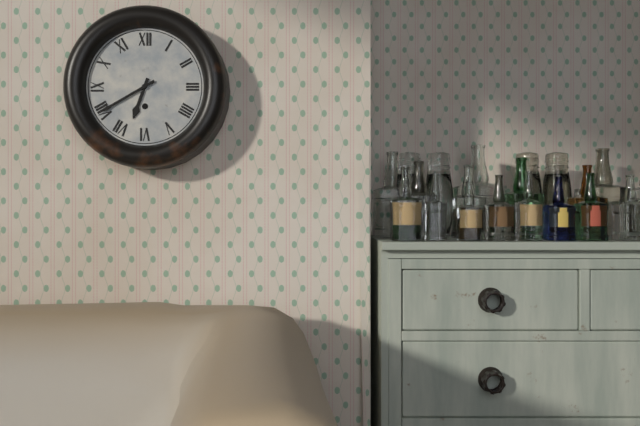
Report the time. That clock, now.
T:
6:40
